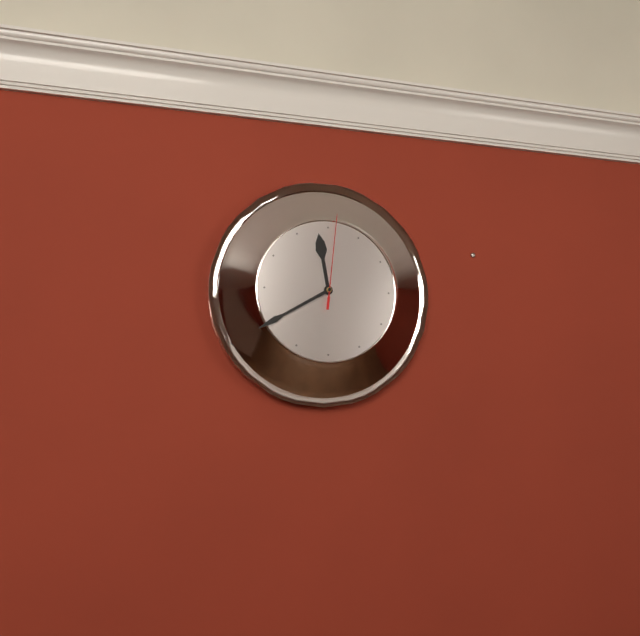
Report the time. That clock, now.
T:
11:40:01
